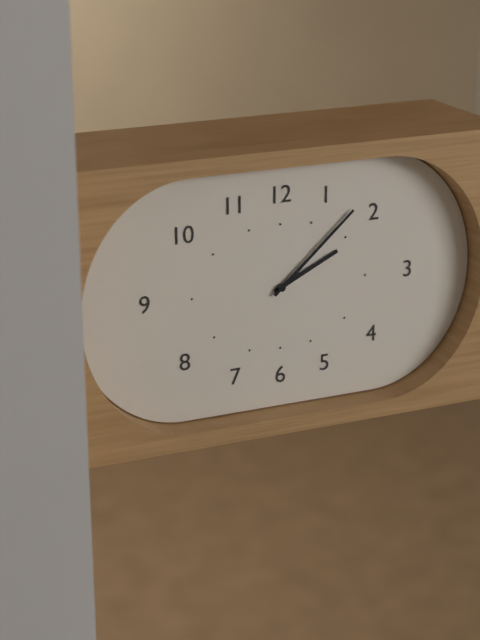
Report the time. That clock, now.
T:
2:08
